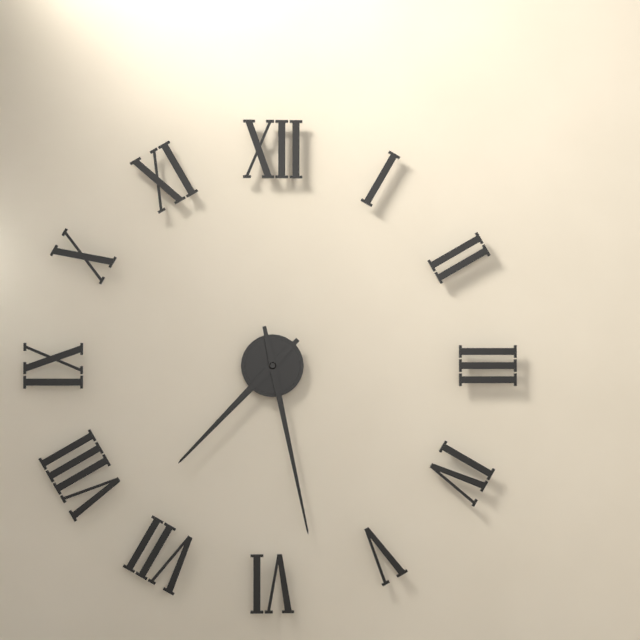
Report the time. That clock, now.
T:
7:28
